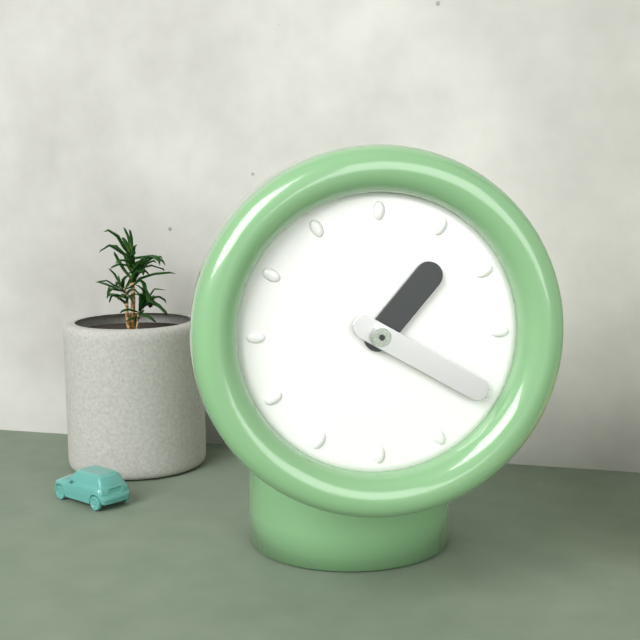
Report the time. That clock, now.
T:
1:20
